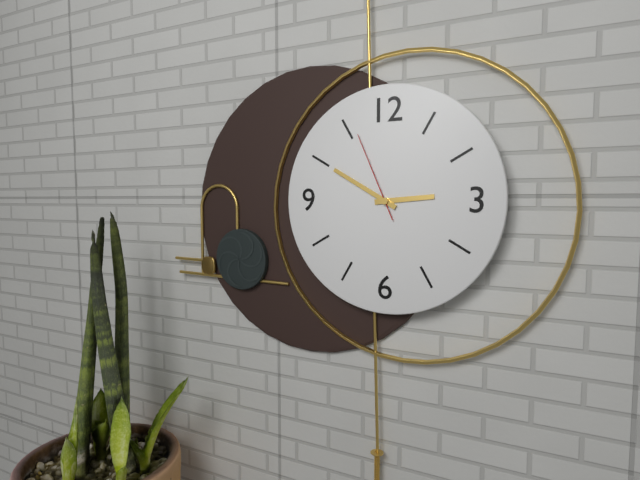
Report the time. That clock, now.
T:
2:50:56
